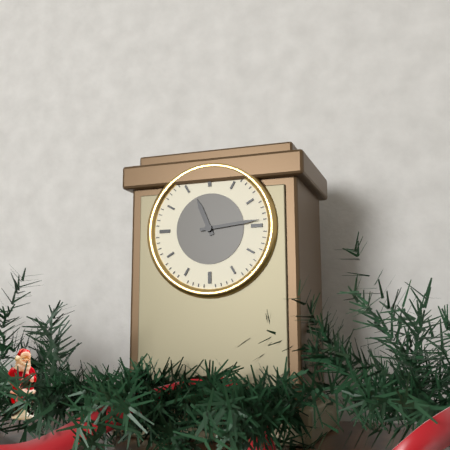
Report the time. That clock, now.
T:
11:14
